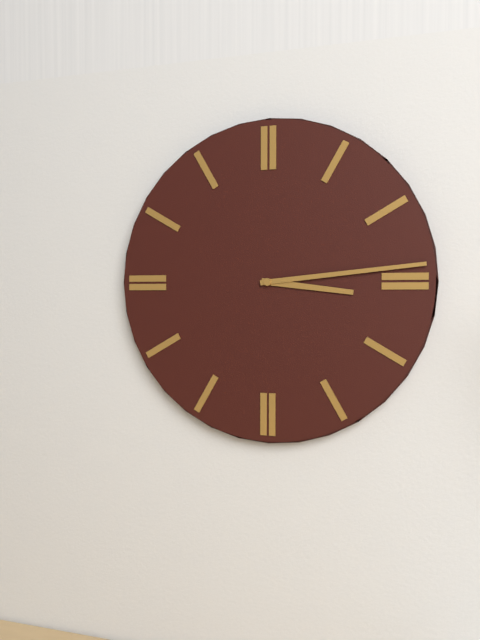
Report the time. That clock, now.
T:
3:14
